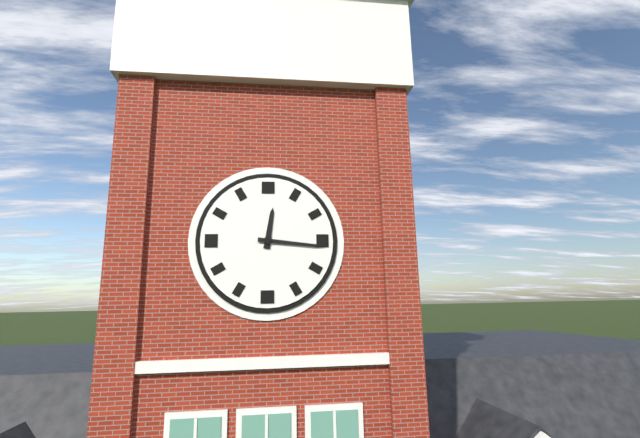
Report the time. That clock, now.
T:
12:16
